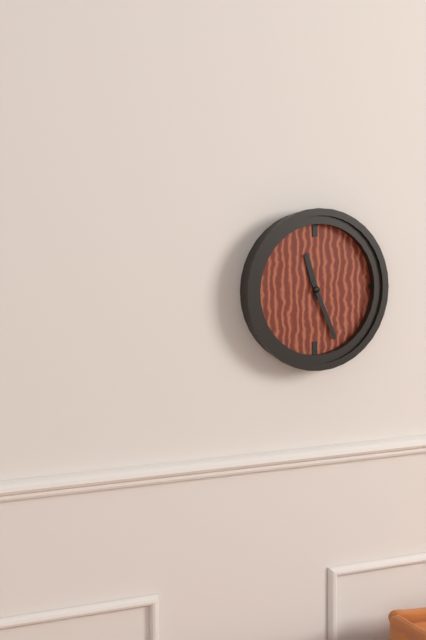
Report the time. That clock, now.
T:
11:26
